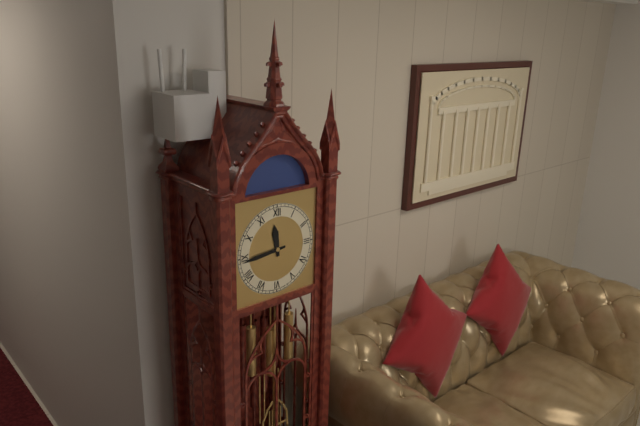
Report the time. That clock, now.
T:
11:44
